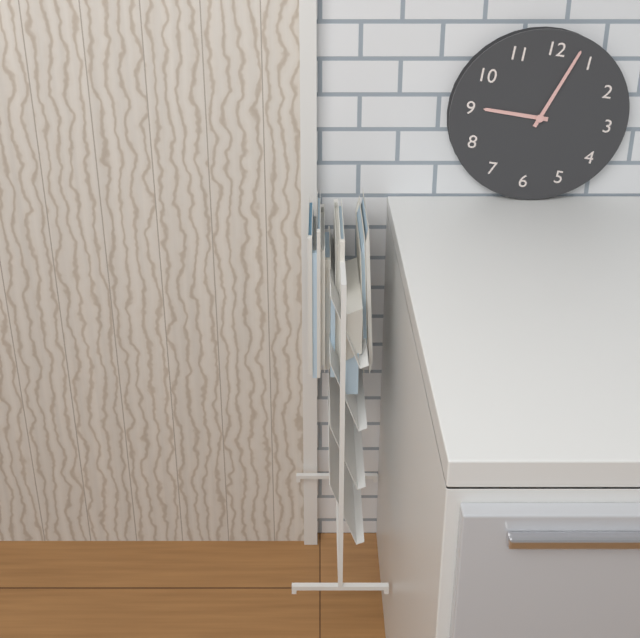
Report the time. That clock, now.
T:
9:03
